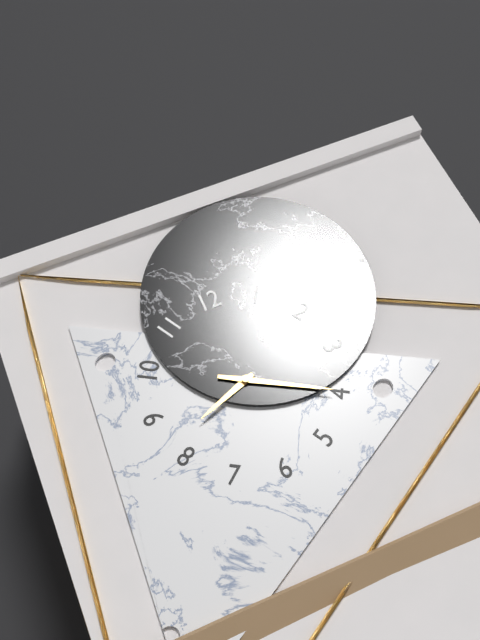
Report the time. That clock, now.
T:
8:20
